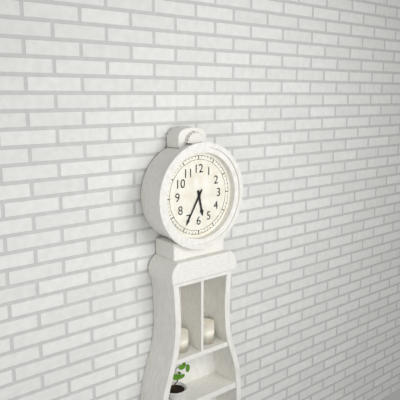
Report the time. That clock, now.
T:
5:35
